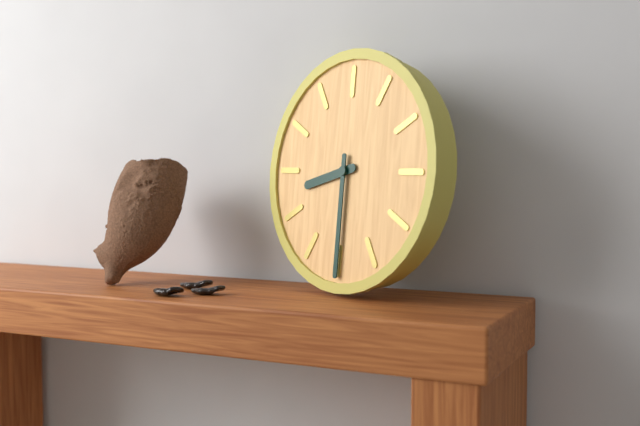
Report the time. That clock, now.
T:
8:30
